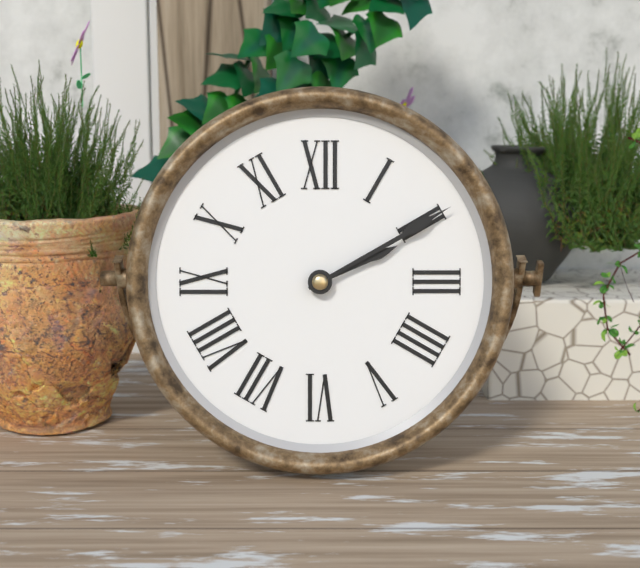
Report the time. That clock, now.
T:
2:10
